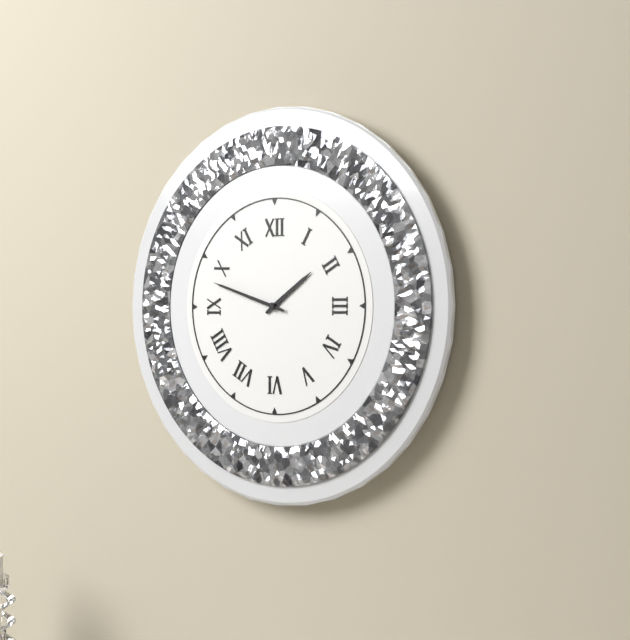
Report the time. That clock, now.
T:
1:48
